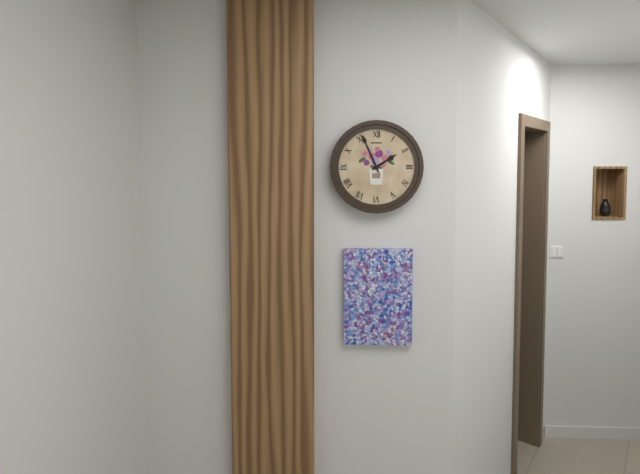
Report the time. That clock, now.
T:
1:56
